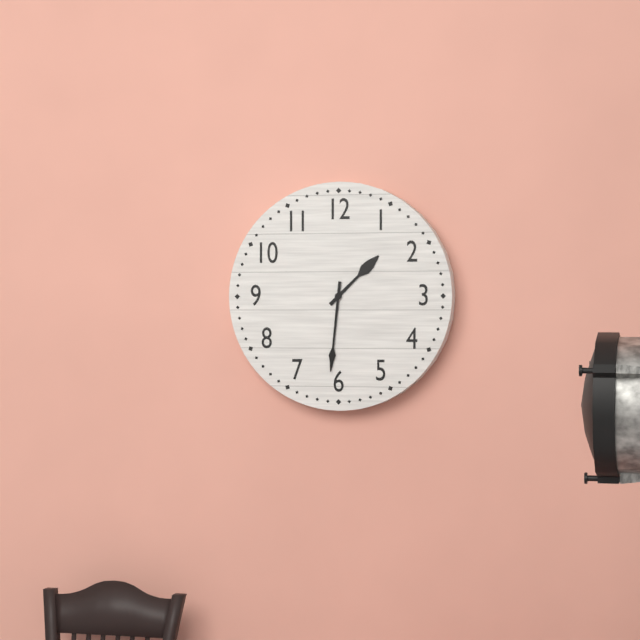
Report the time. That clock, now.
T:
1:31
